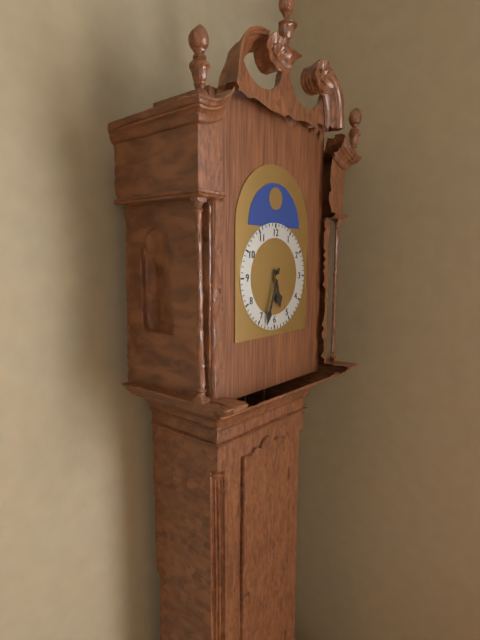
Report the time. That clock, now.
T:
5:33
